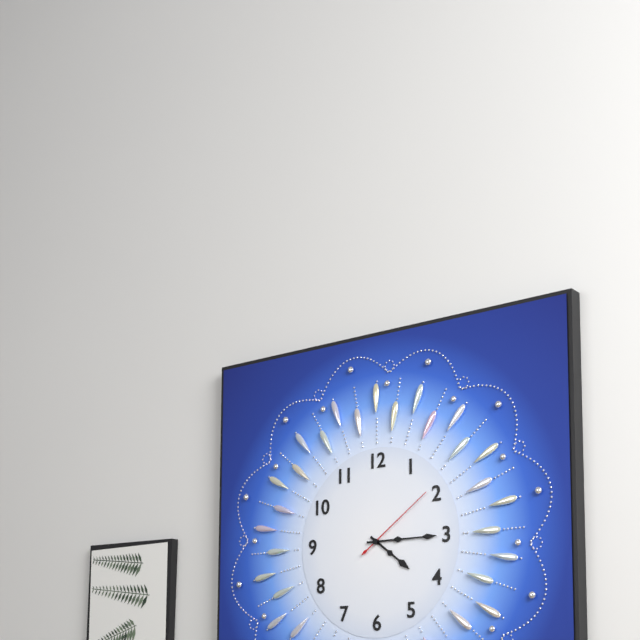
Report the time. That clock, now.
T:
4:15:09
